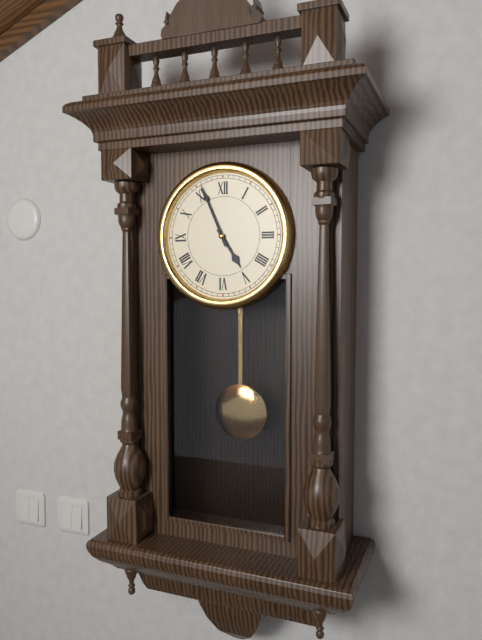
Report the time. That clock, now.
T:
4:56
